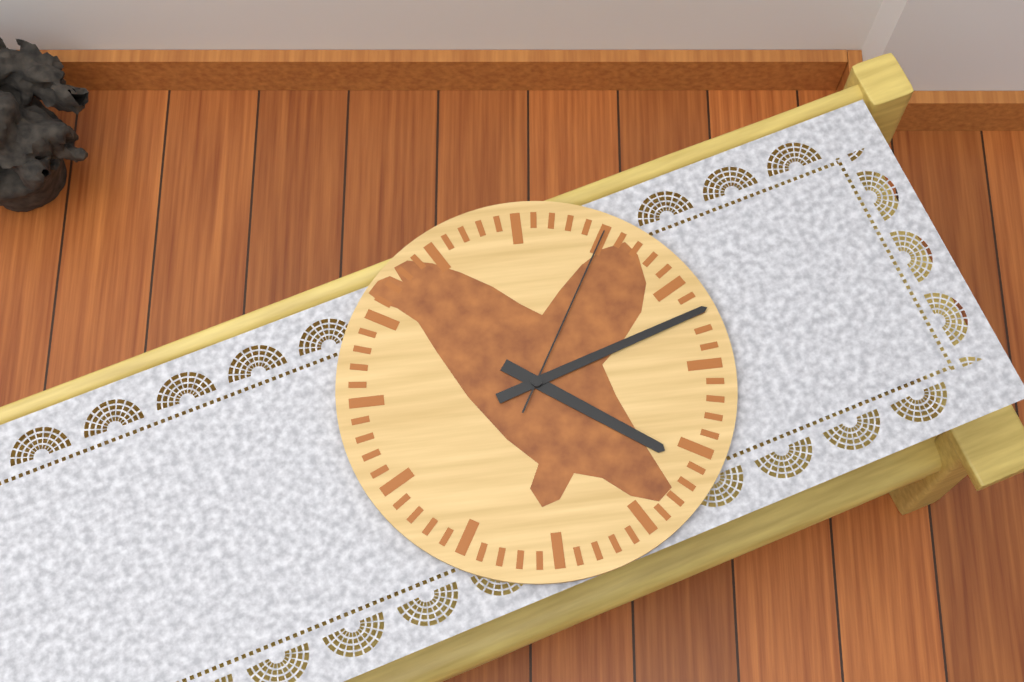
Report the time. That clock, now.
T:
4:12:05
